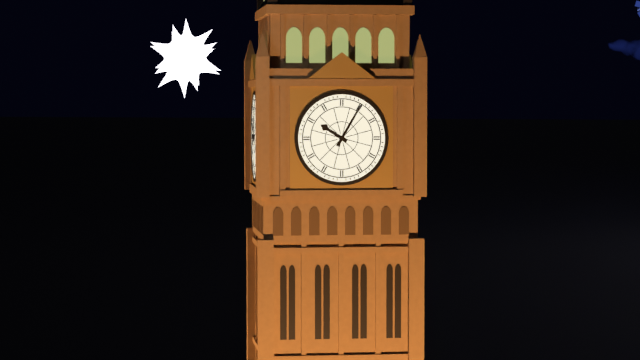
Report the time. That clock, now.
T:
10:05
